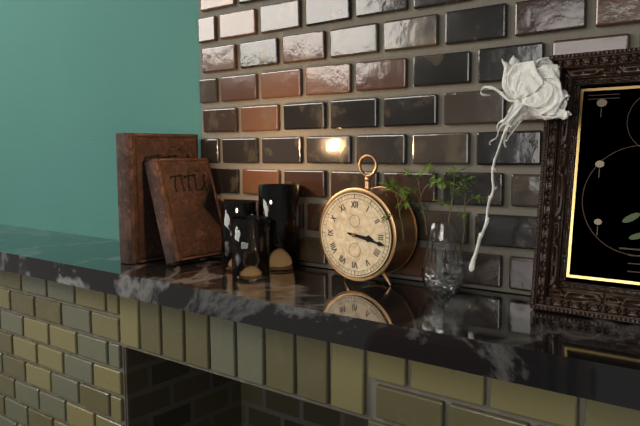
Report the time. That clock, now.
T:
3:17
